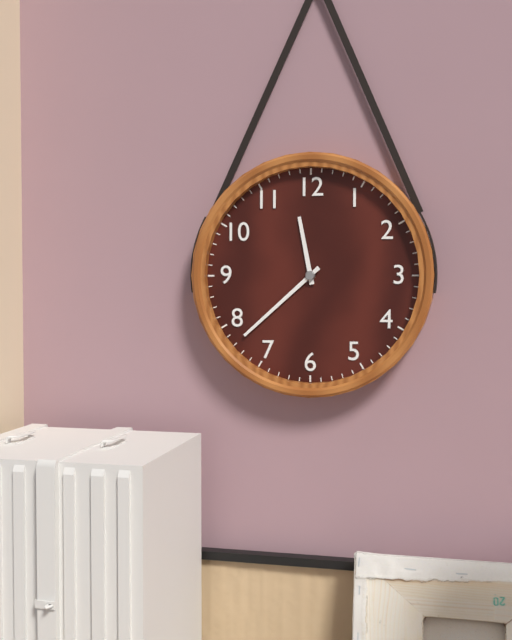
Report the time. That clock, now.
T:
11:38
